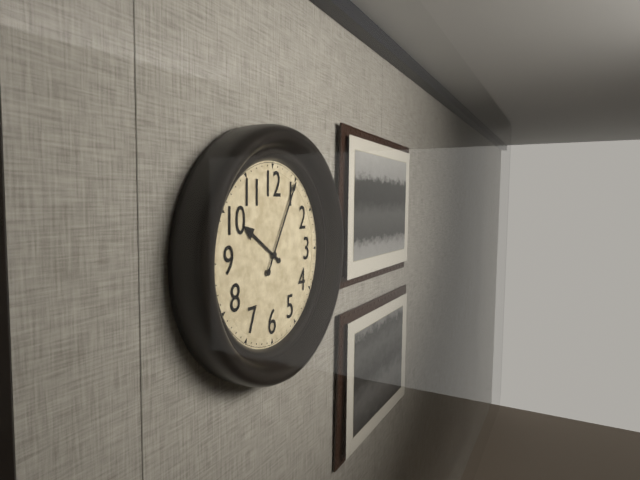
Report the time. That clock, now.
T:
10:05
